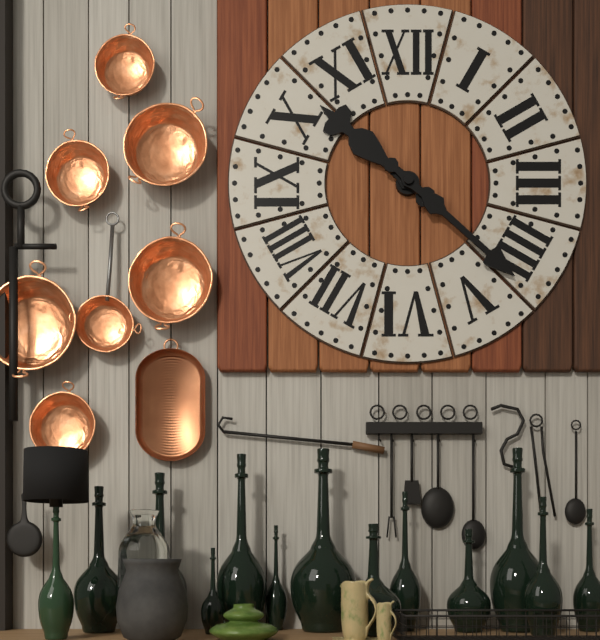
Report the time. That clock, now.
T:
10:22
